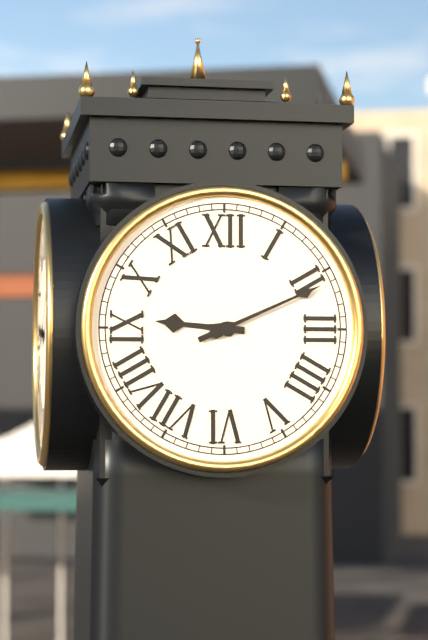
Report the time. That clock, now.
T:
9:11
